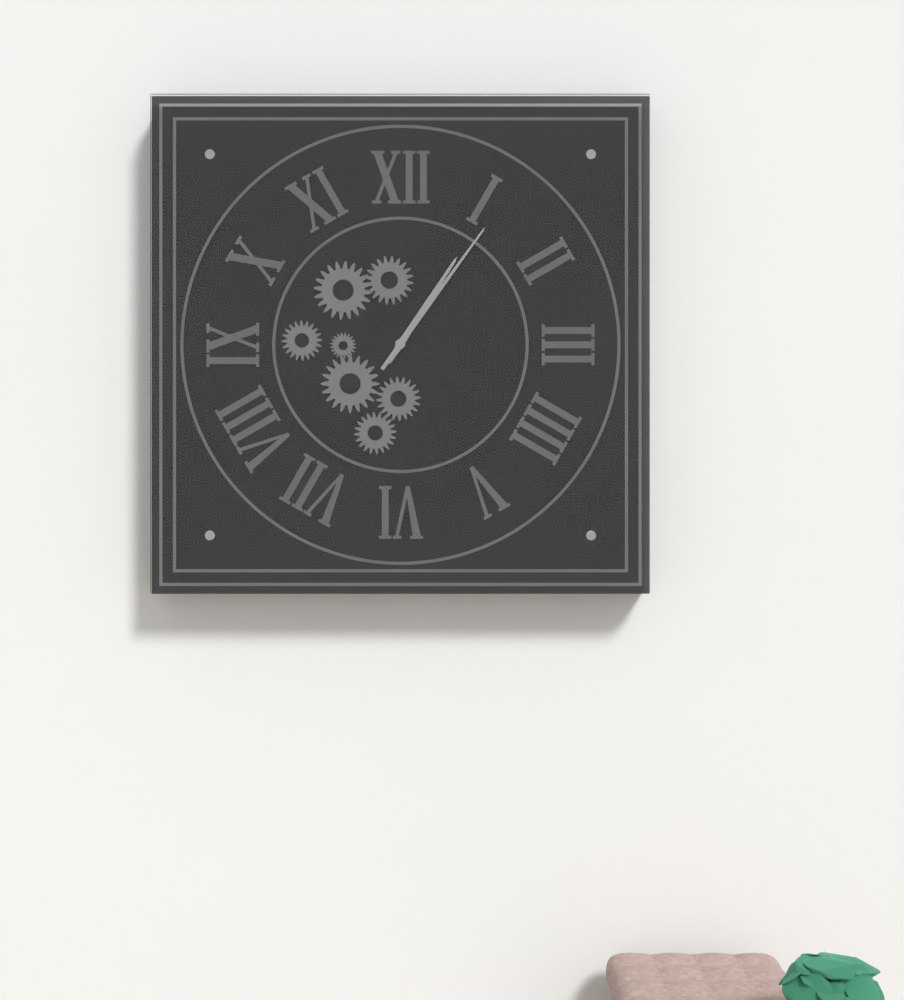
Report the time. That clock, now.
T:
1:06
